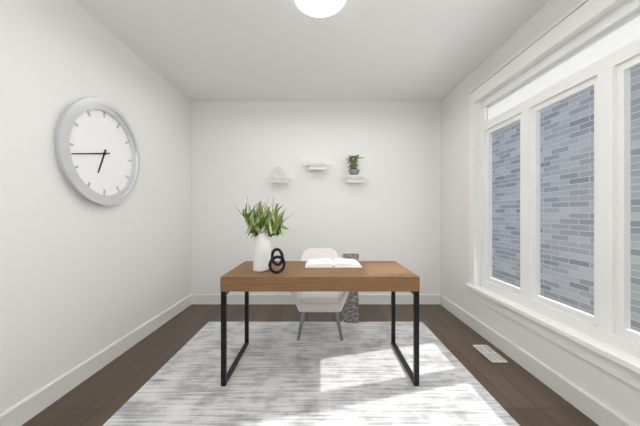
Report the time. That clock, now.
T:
6:43
